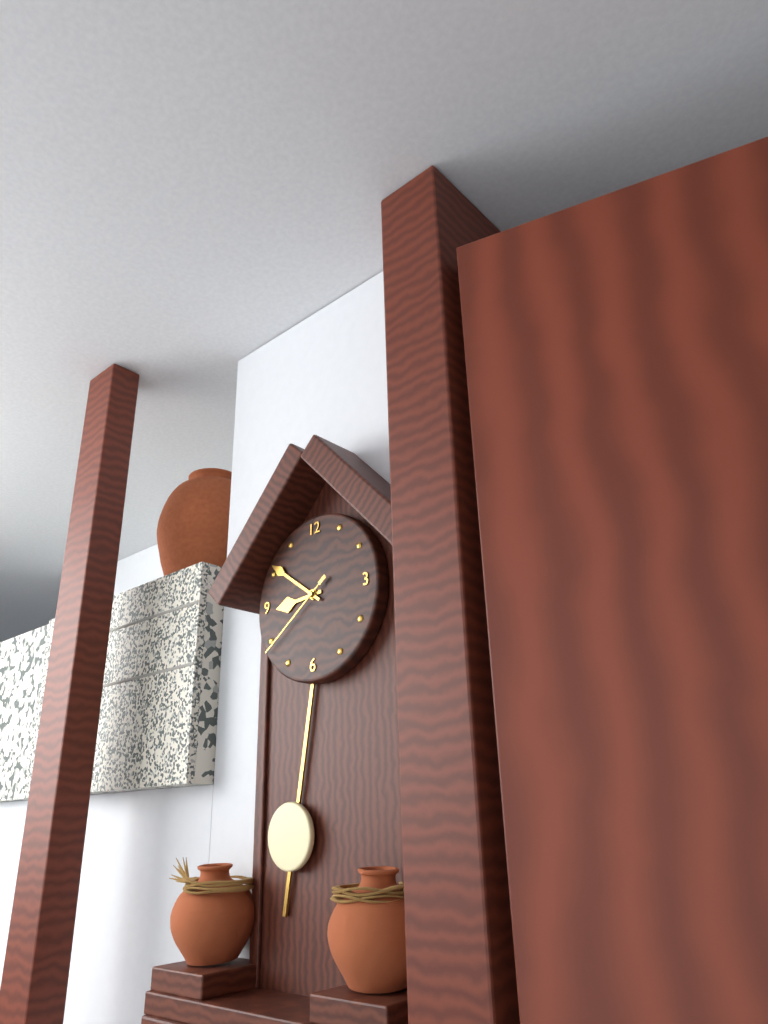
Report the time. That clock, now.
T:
8:51:39
